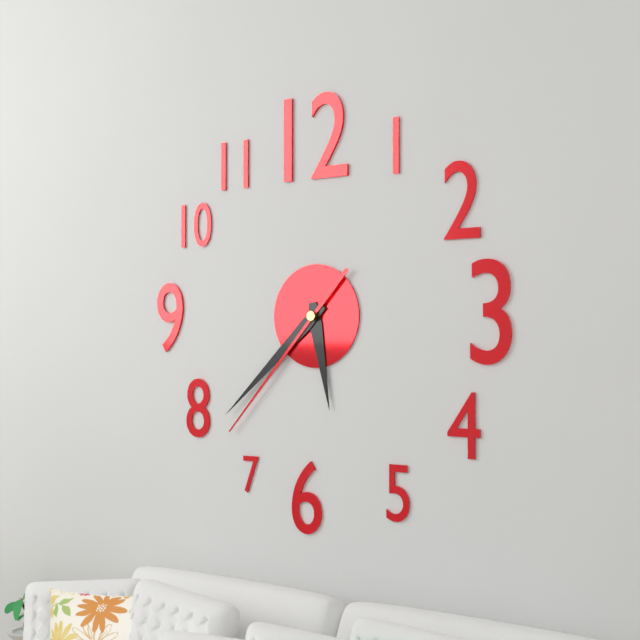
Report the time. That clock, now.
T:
5:38:37
